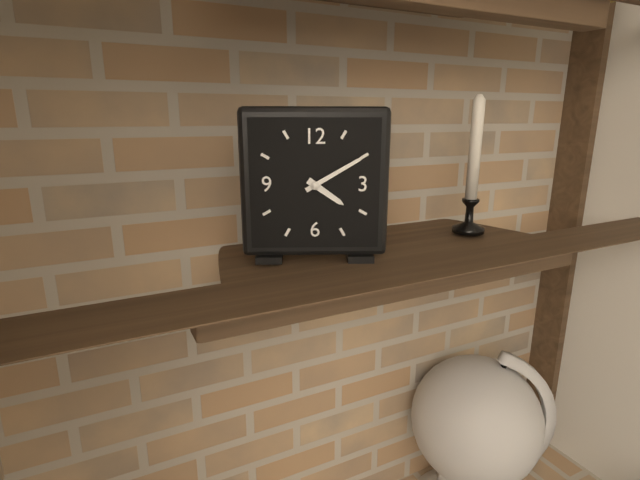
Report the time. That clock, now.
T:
4:10
